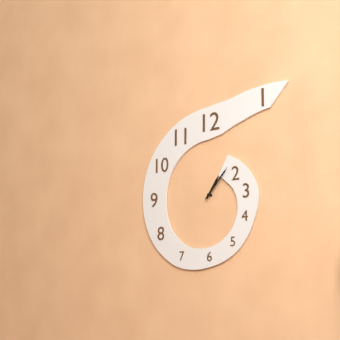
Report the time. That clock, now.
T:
1:07
